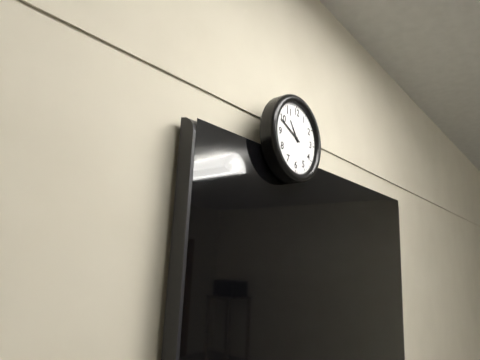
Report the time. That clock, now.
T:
10:49
